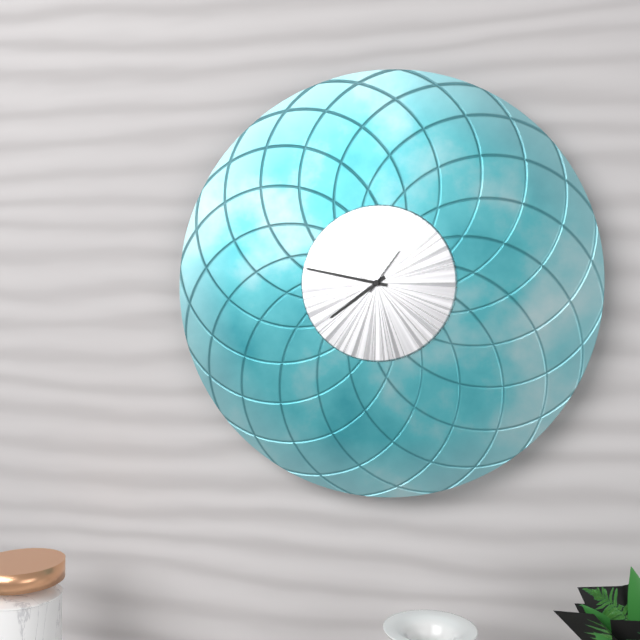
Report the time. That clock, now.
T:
7:47
